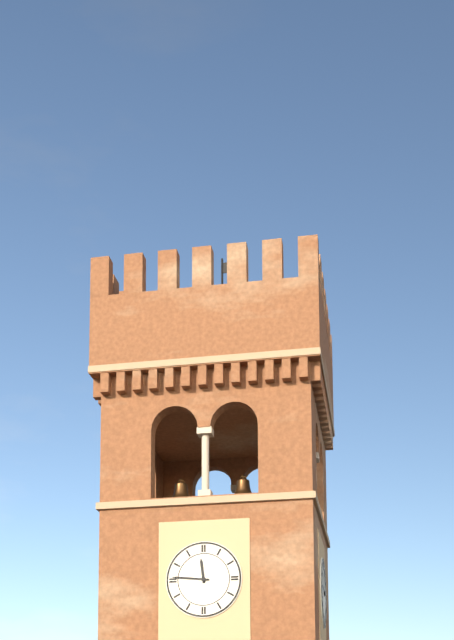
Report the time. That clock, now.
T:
11:46
